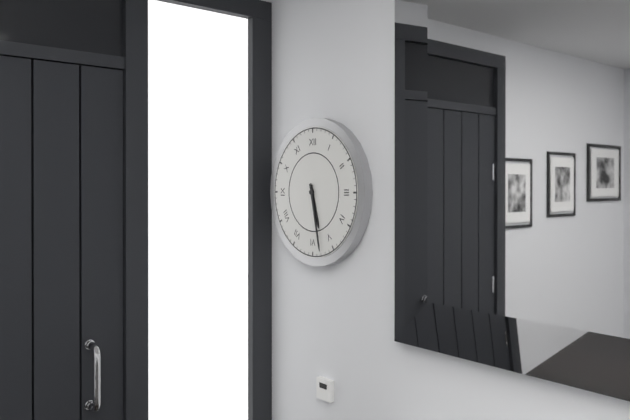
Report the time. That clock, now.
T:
5:28
